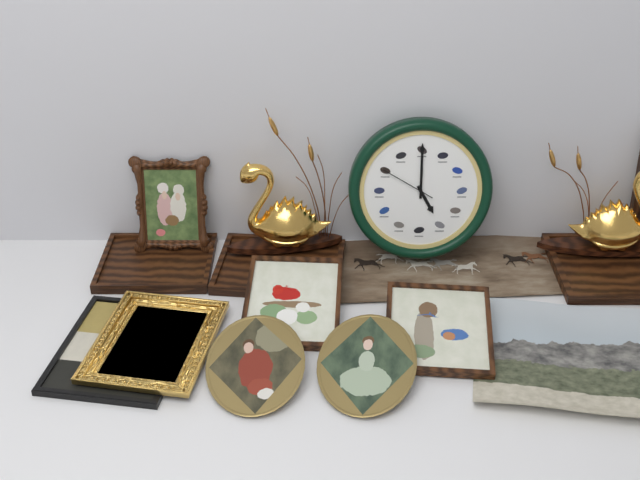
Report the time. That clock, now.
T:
5:00:50
